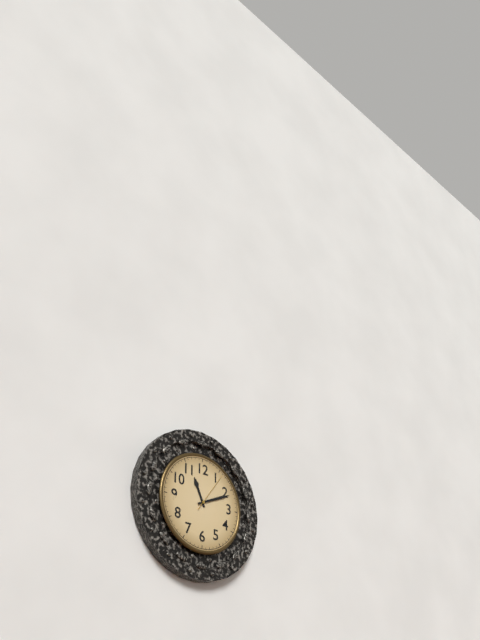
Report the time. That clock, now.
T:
11:11
